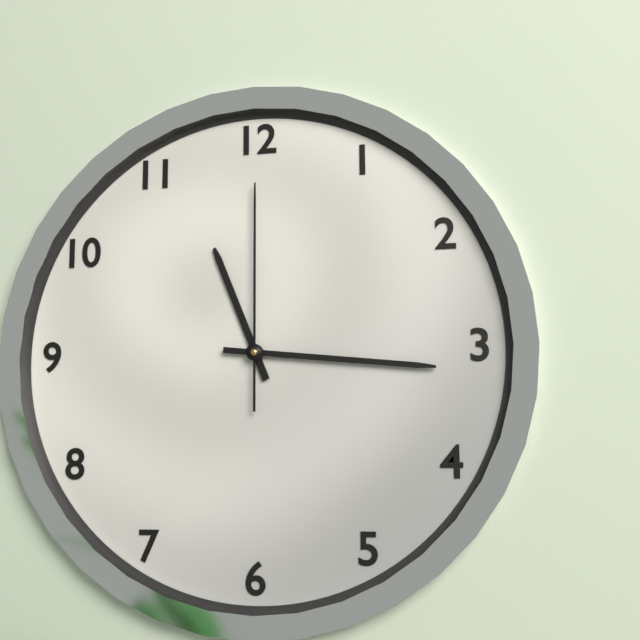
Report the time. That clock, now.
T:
11:16:00
